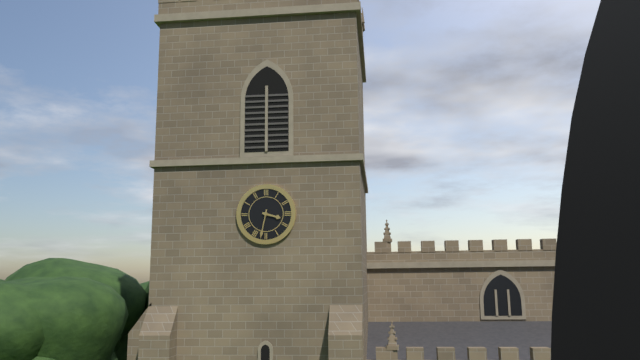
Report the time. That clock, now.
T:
3:32
